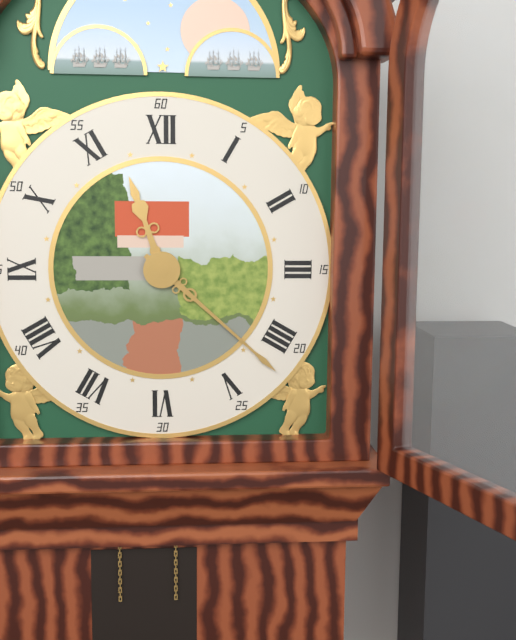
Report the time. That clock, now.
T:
11:22
